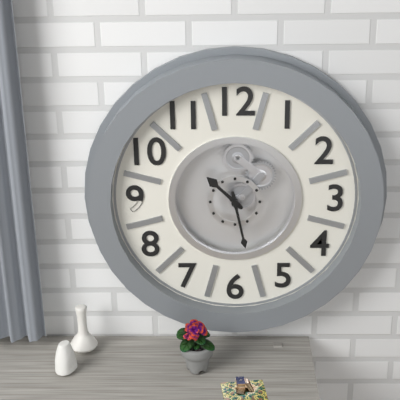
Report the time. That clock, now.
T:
10:28
